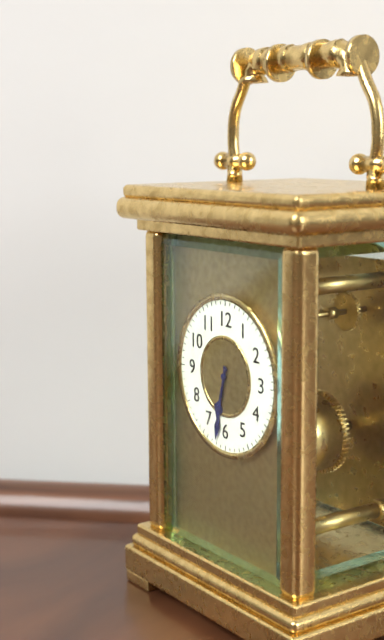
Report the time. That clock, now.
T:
6:32
